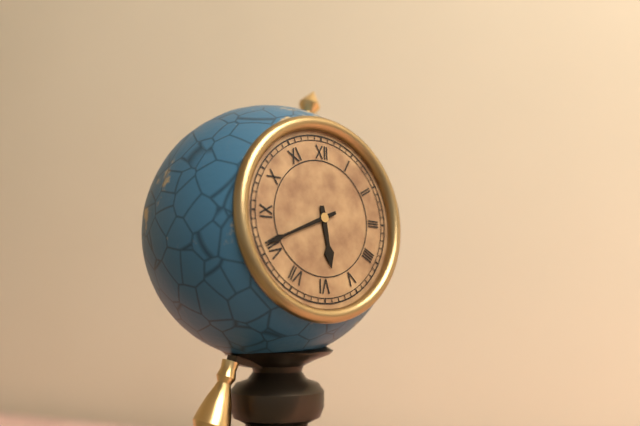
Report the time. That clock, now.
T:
5:41
